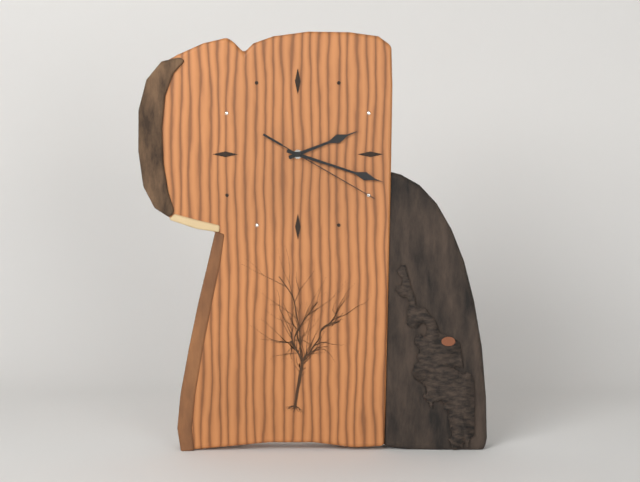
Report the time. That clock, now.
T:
2:18:20
